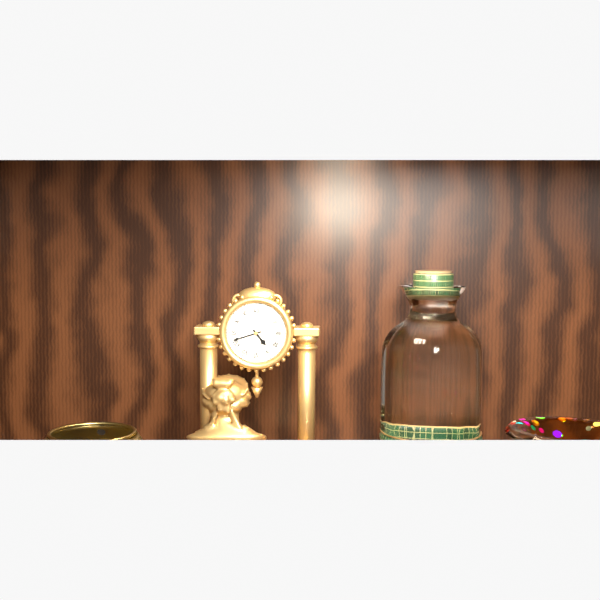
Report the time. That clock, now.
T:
4:42
